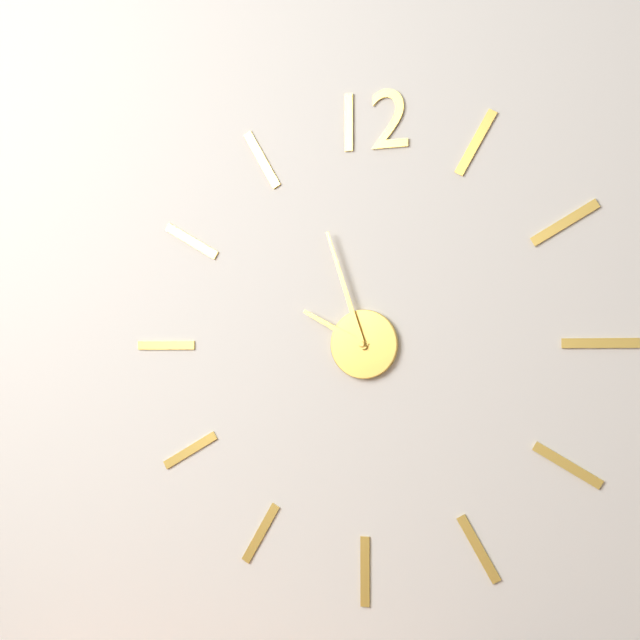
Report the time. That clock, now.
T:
9:57
